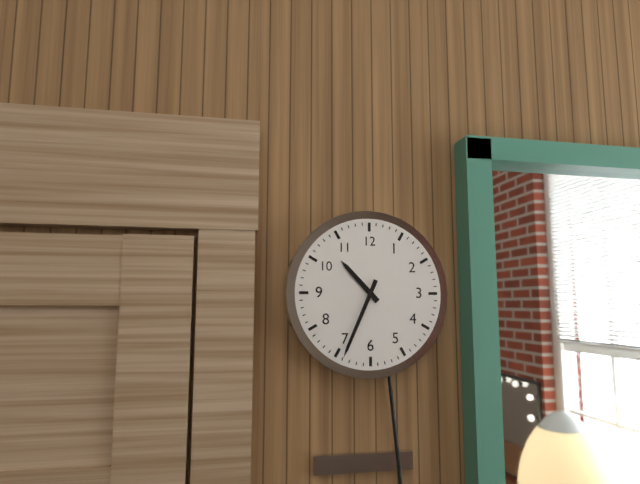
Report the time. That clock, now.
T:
10:34
